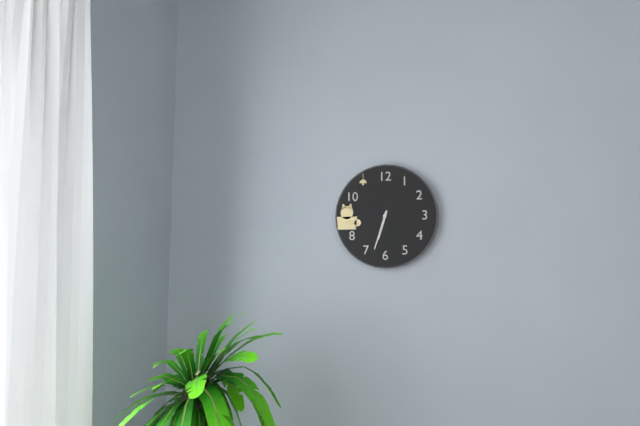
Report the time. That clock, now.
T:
6:33
